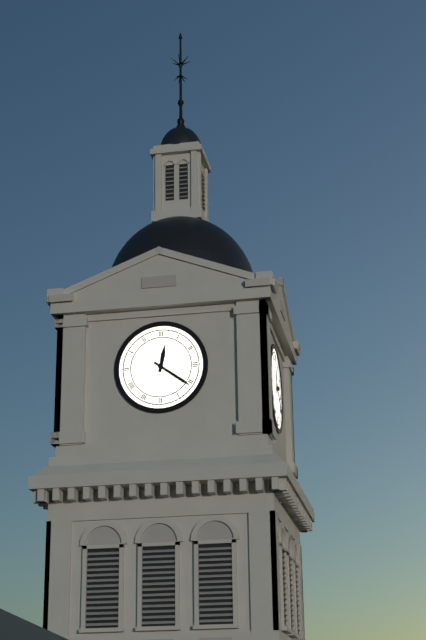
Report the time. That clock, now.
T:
12:21
